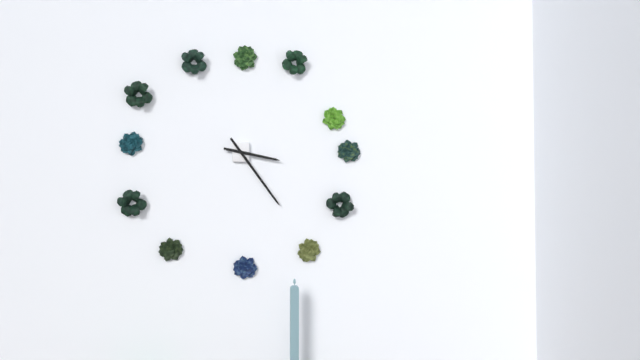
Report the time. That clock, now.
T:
3:24
